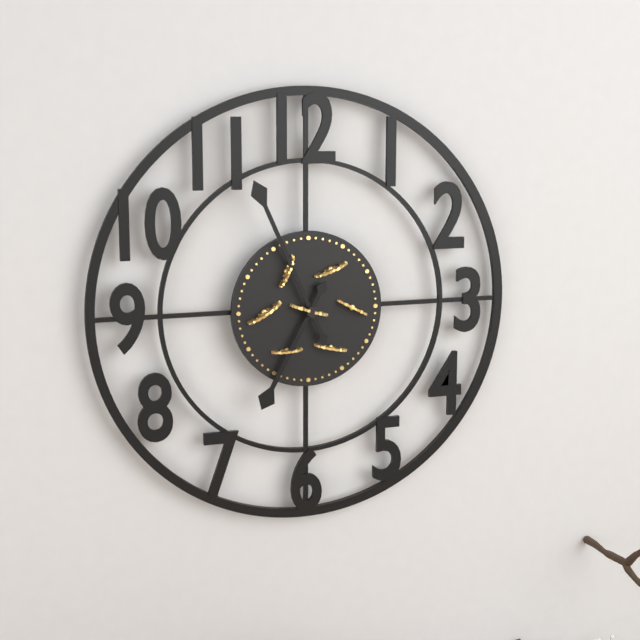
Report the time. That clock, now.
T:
6:56
